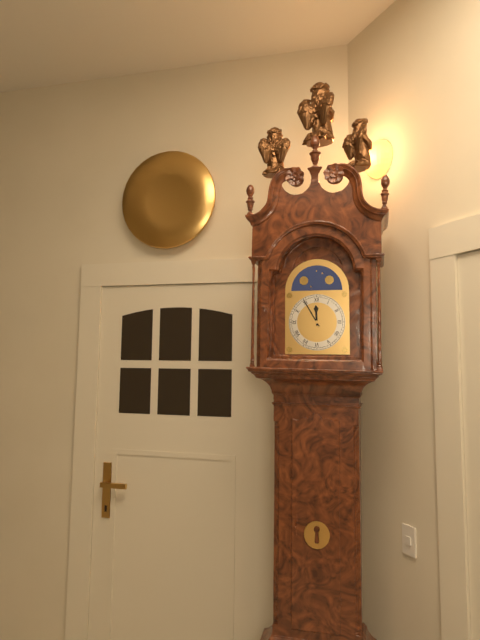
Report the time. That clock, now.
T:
11:55
